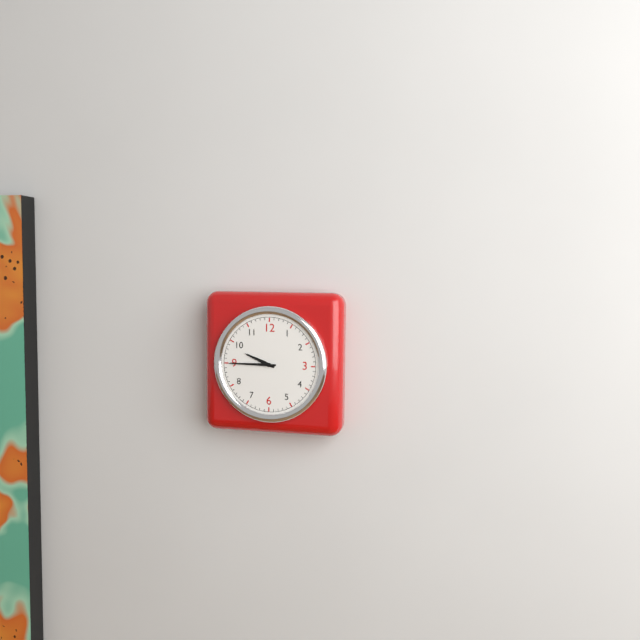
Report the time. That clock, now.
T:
9:45
